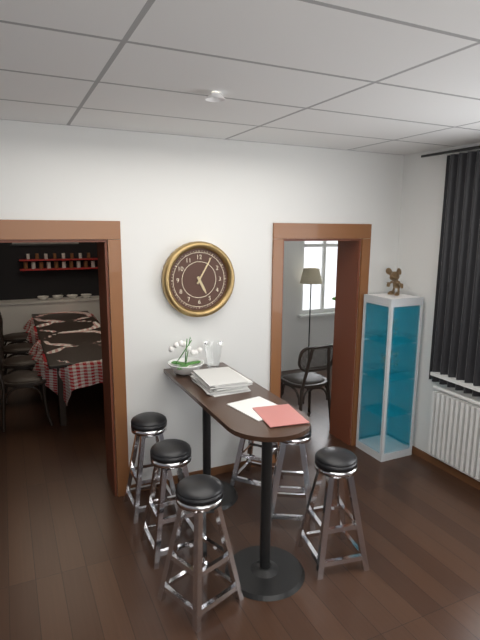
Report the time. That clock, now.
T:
5:05
